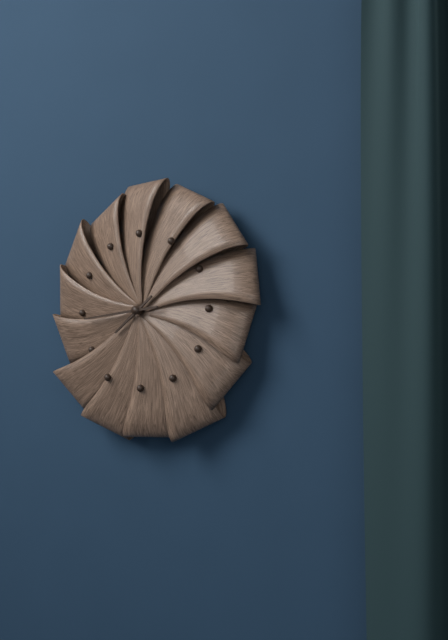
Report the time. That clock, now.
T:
7:44
